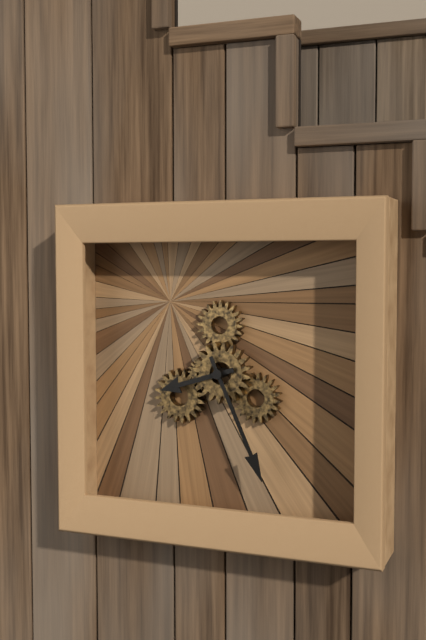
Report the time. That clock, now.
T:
8:26
